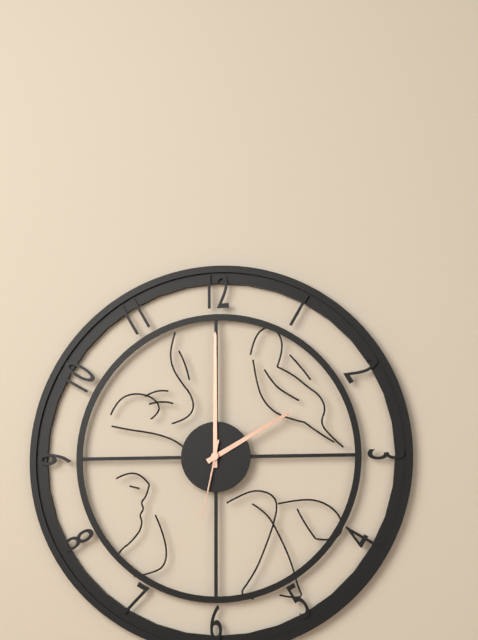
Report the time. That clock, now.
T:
2:00:32
